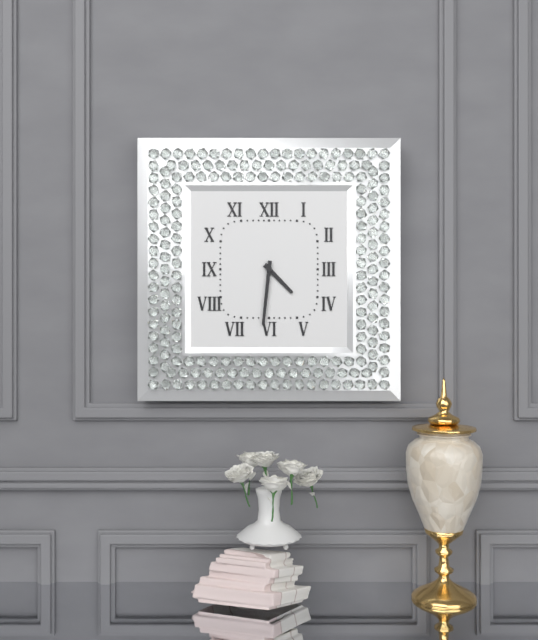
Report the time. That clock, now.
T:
4:31
